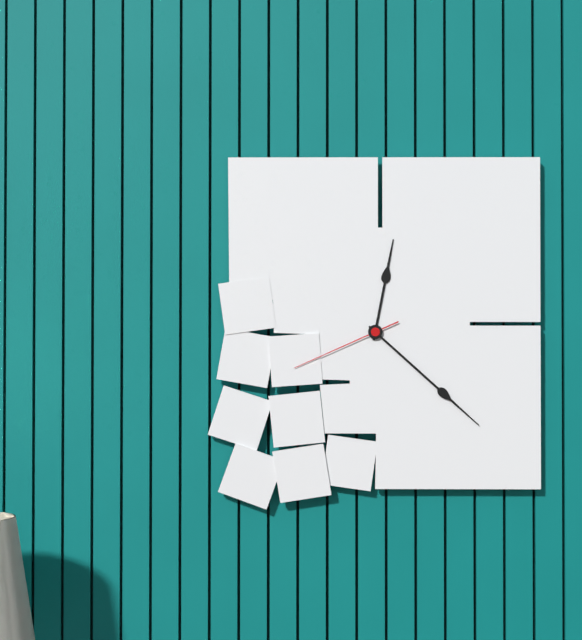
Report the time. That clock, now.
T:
12:22:41
